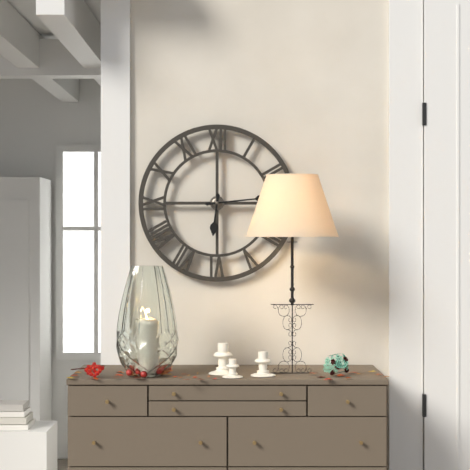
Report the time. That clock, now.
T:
6:14
